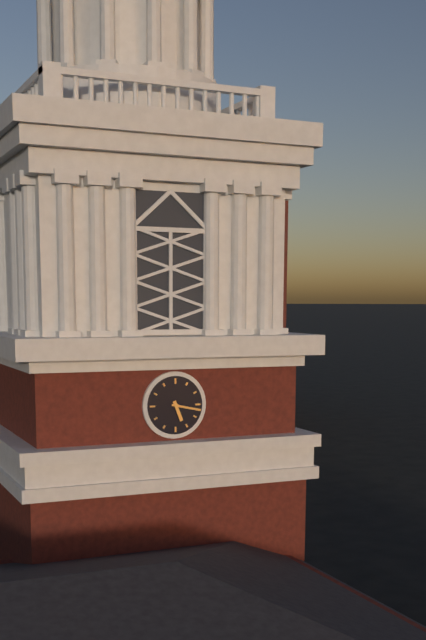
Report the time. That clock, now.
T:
5:17
